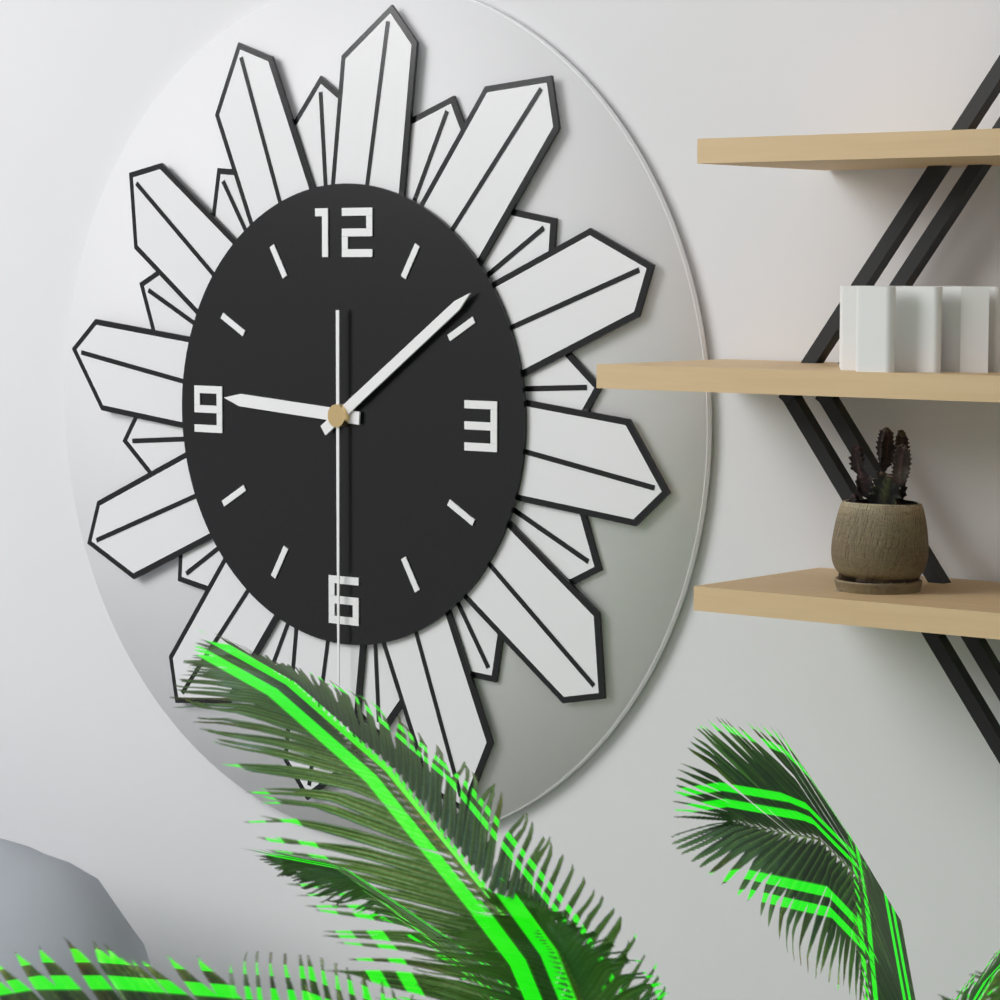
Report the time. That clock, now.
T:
9:09:30
